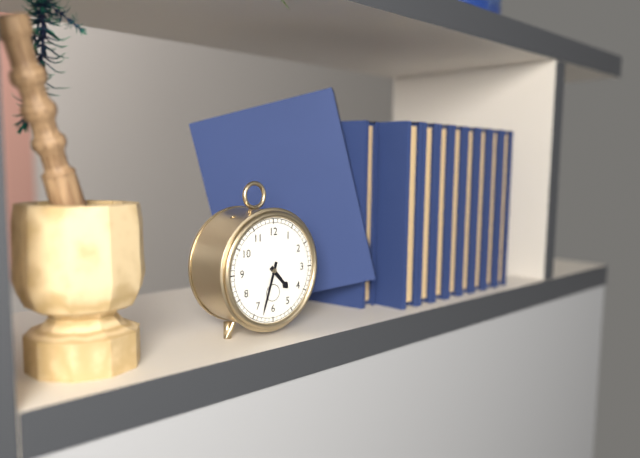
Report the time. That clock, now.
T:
4:33
